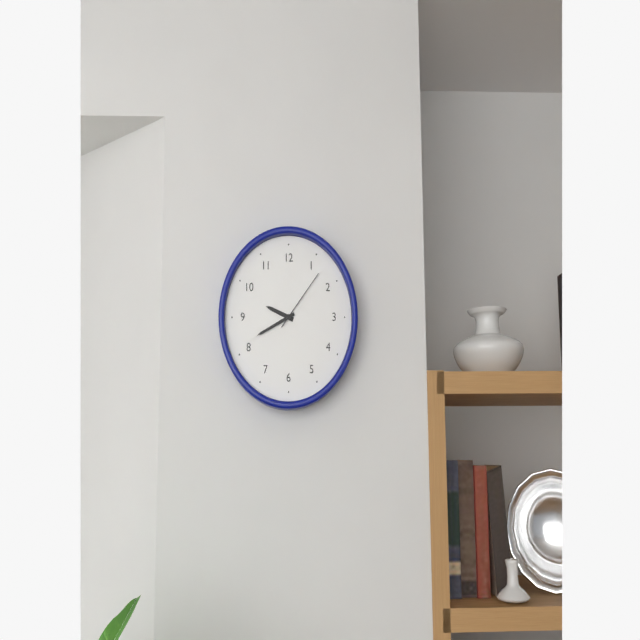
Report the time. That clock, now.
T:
9:41:07
